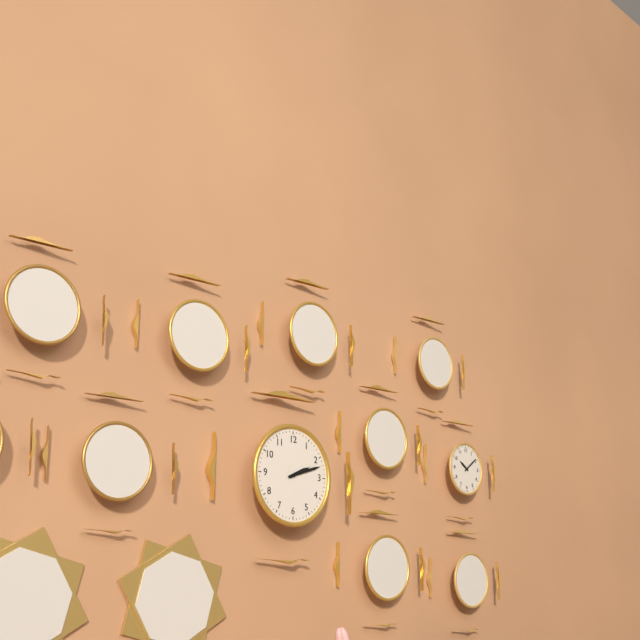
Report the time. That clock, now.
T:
2:12
